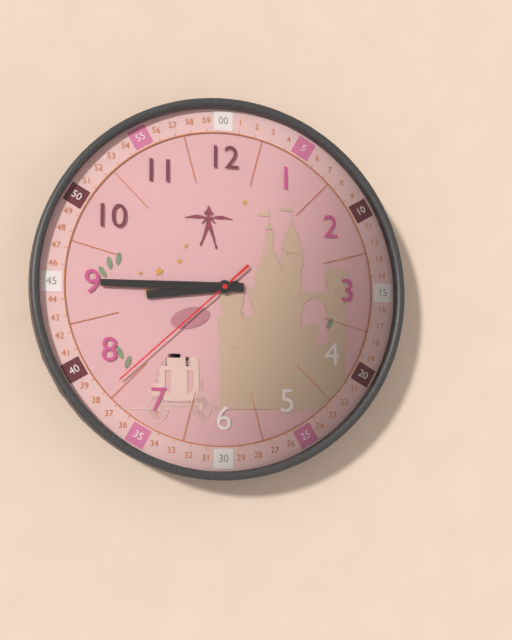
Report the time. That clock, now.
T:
8:45:38
